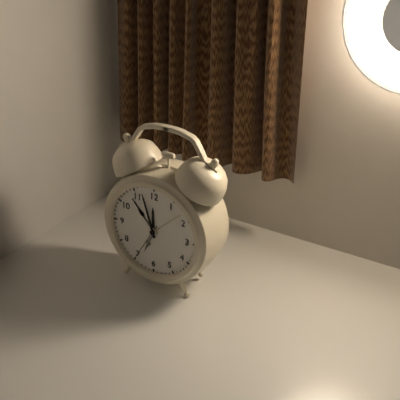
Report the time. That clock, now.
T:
11:57
